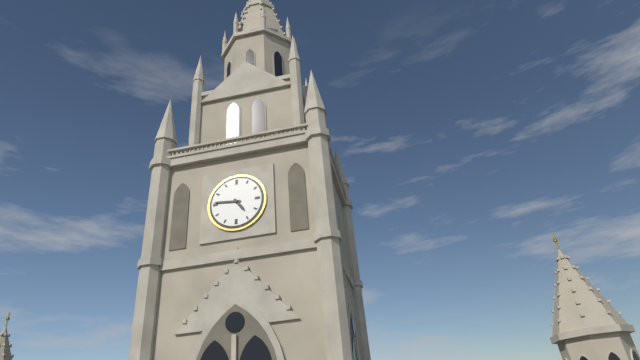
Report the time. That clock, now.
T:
4:46
